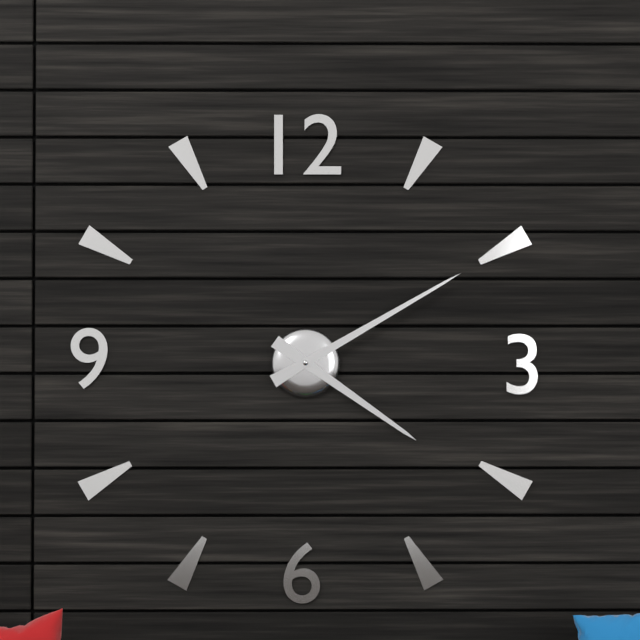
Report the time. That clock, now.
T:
4:10
